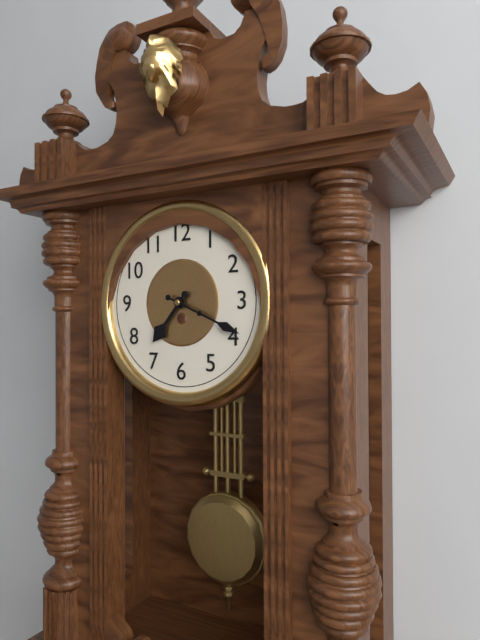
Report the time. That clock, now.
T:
7:19
